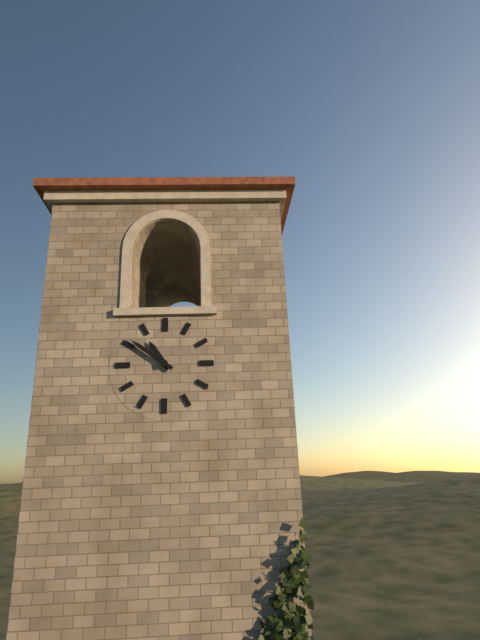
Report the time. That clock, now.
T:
10:51
